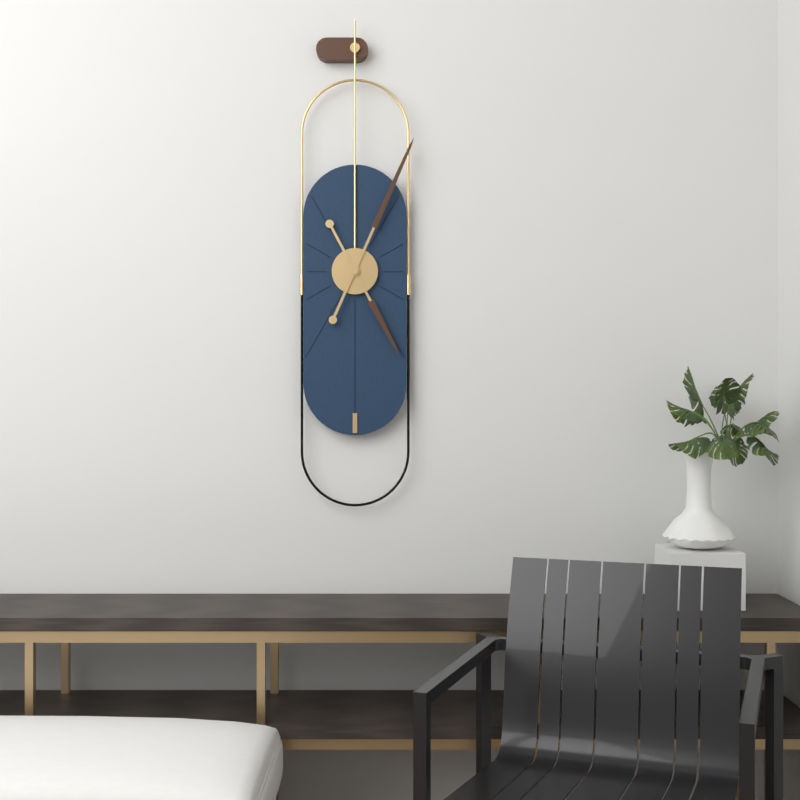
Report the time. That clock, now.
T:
5:04
